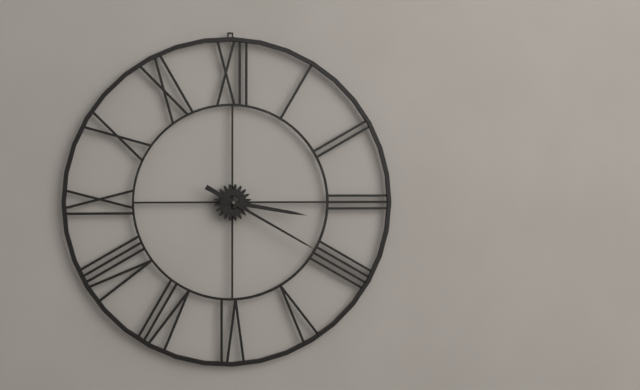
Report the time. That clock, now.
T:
3:20
